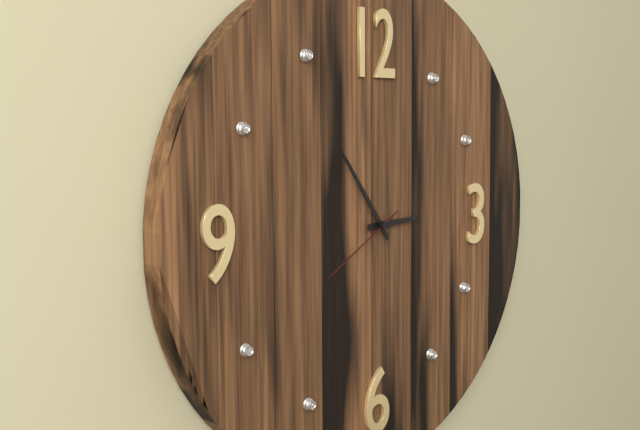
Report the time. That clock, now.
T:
2:54:40
